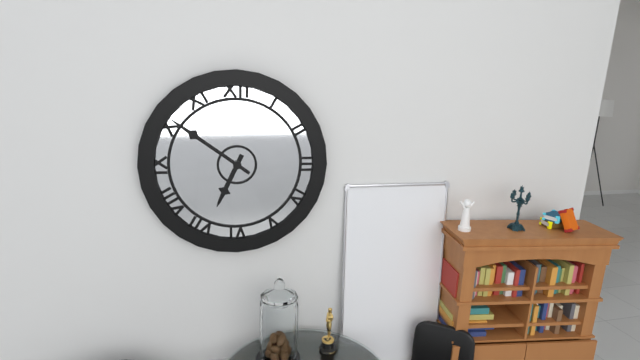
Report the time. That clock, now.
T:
6:51
